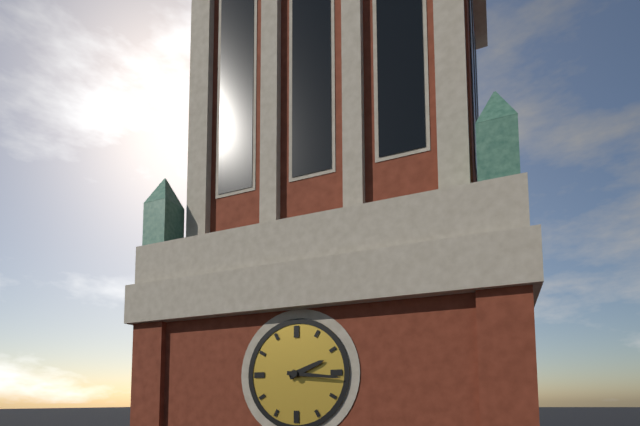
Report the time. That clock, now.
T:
2:16
